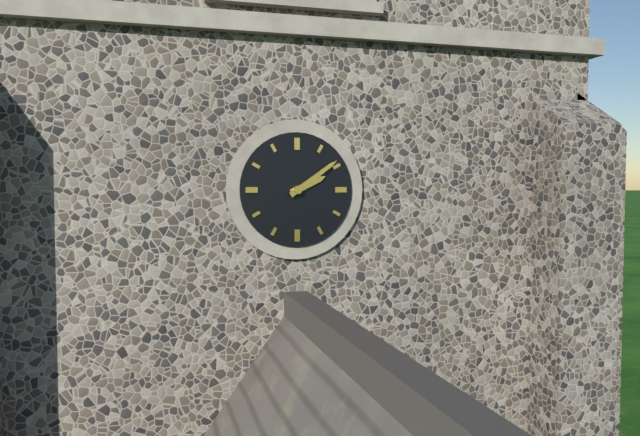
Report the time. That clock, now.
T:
2:09
